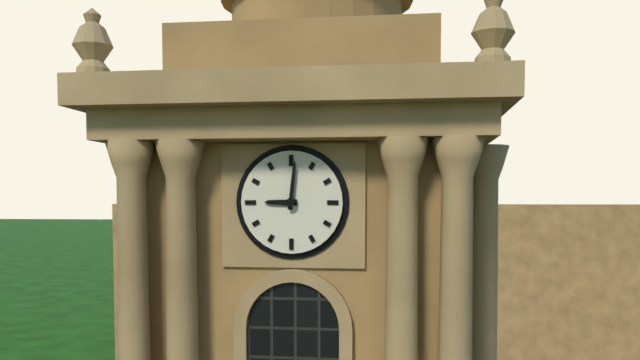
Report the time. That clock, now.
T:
9:01
